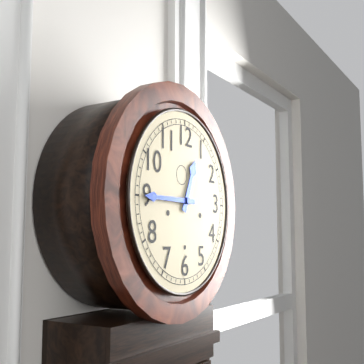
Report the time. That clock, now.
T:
12:45
